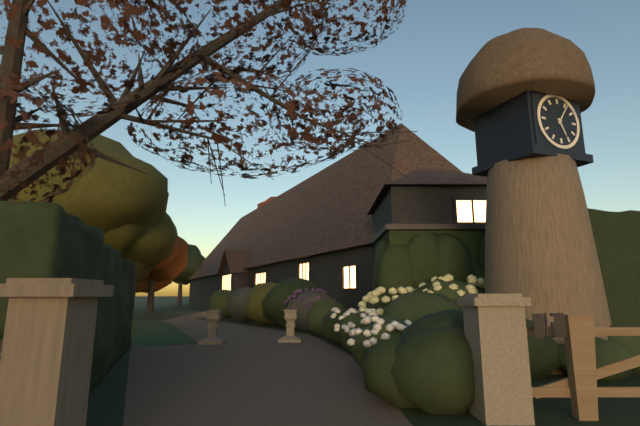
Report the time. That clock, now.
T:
5:06
